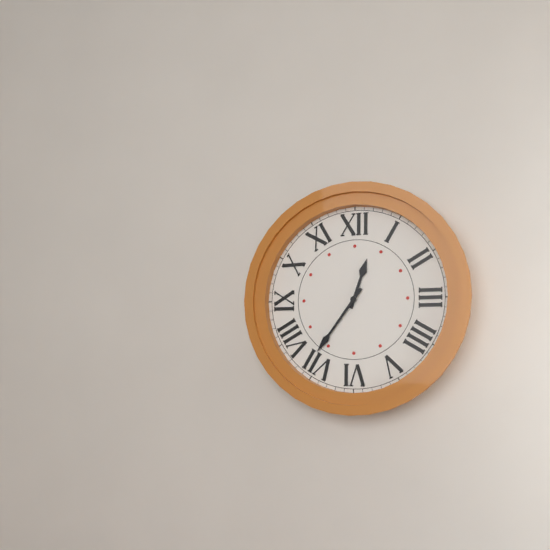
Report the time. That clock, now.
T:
12:36
